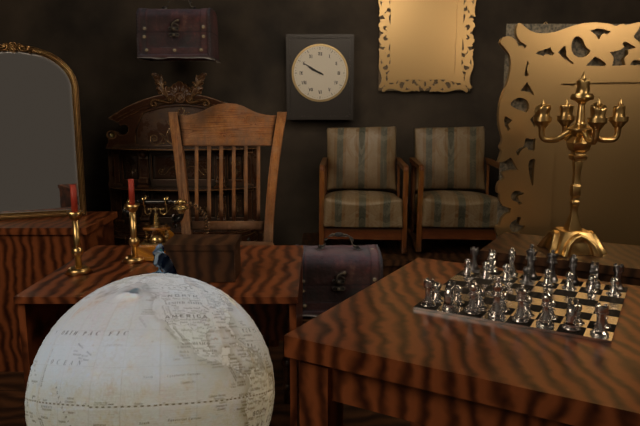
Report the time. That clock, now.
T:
9:50
